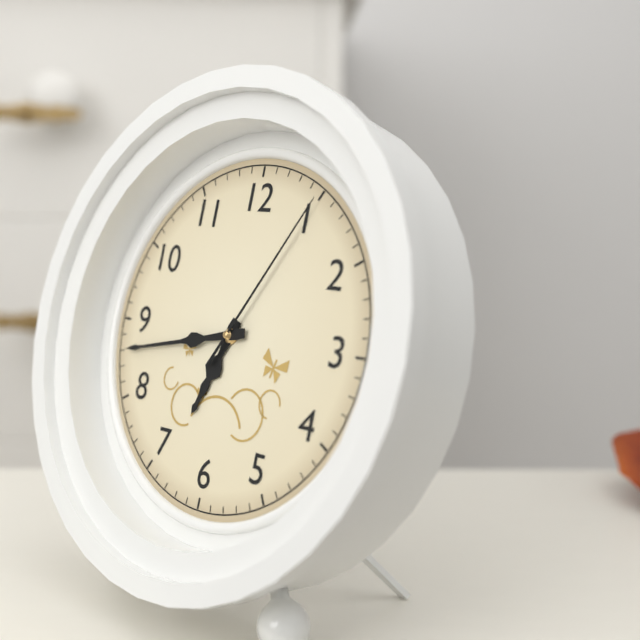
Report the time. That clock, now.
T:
6:43:05
